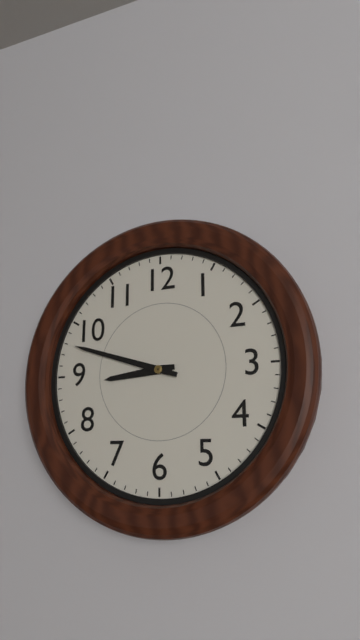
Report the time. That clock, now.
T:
8:48
